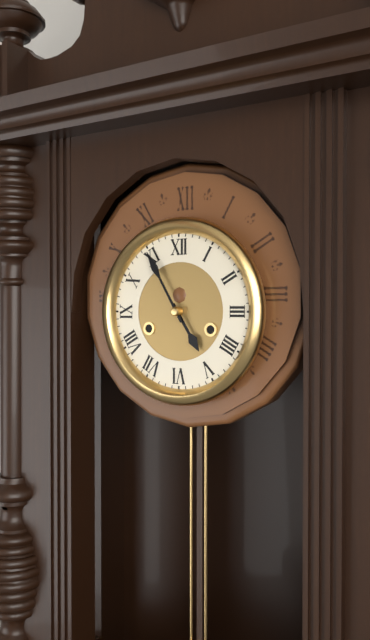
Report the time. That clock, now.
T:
4:55
